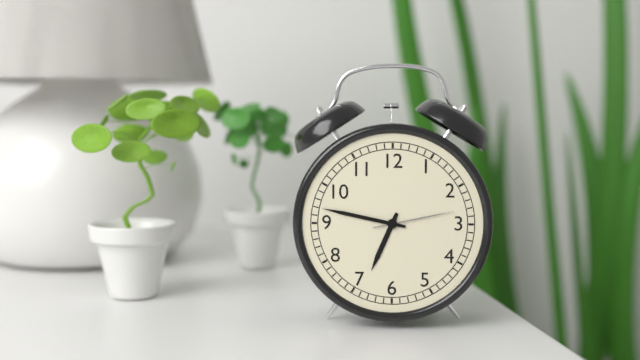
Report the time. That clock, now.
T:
6:47:13
